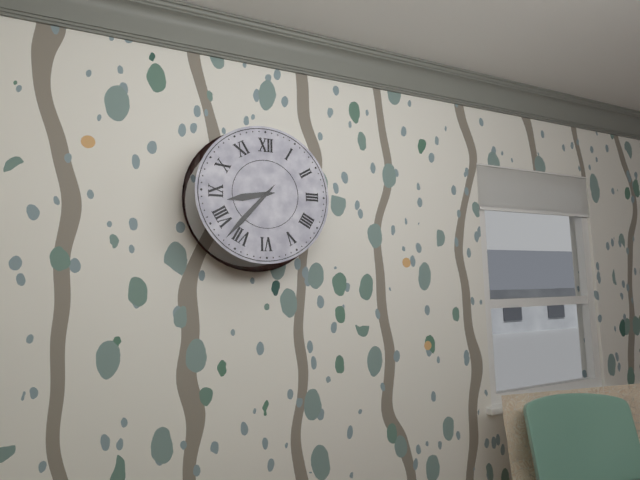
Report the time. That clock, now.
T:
8:37
